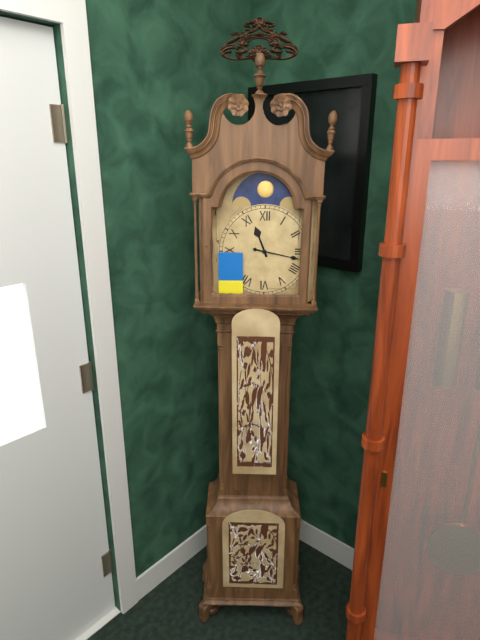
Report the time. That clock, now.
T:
11:17
